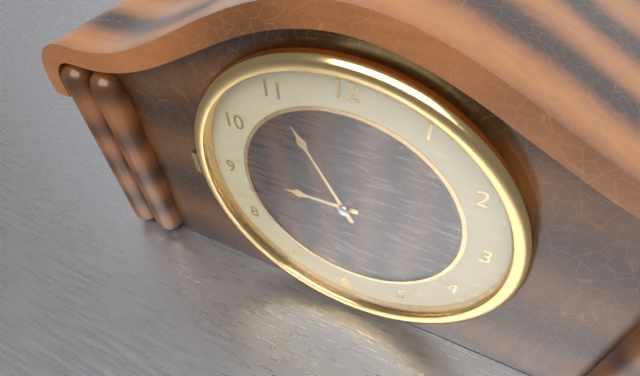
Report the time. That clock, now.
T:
8:55
